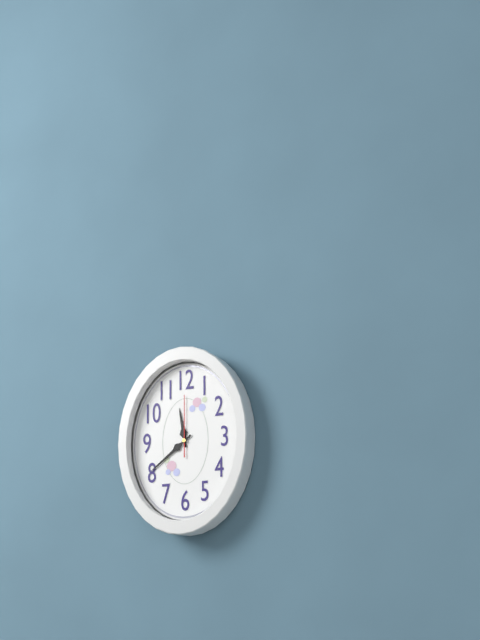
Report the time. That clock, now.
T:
11:39:00
